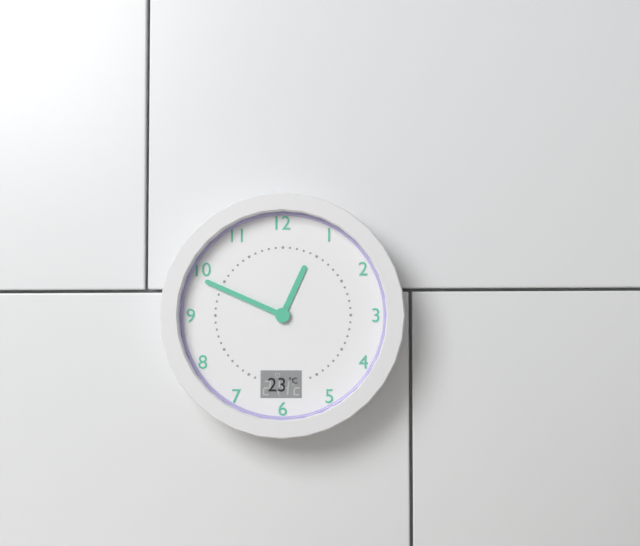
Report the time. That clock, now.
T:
12:49
